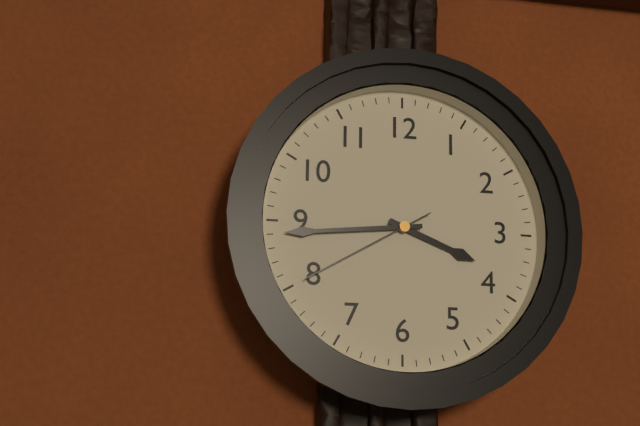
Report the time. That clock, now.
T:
3:44:40
